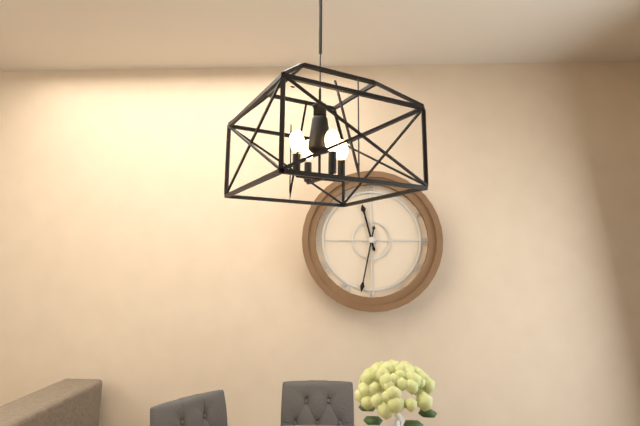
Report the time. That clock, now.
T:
11:32
